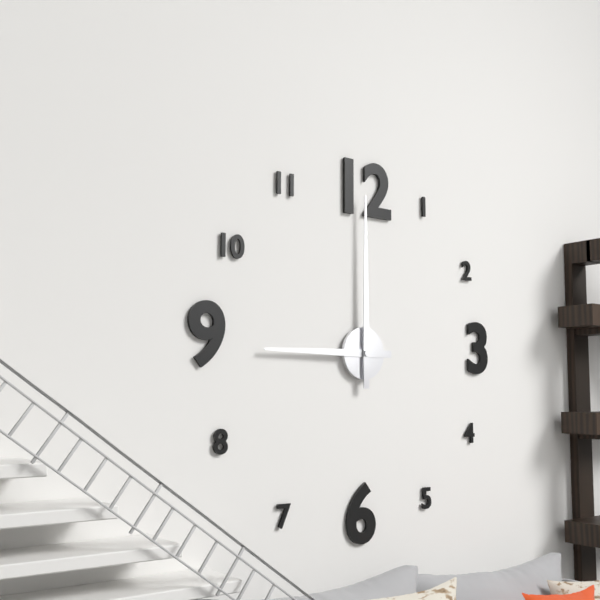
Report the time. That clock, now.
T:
9:00
